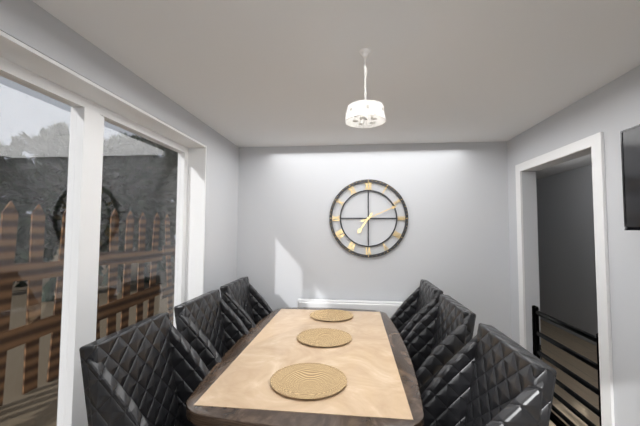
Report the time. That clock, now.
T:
7:11
